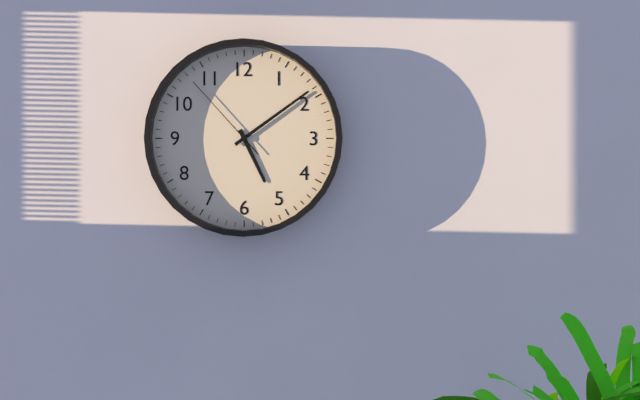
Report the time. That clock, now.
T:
5:09:53
